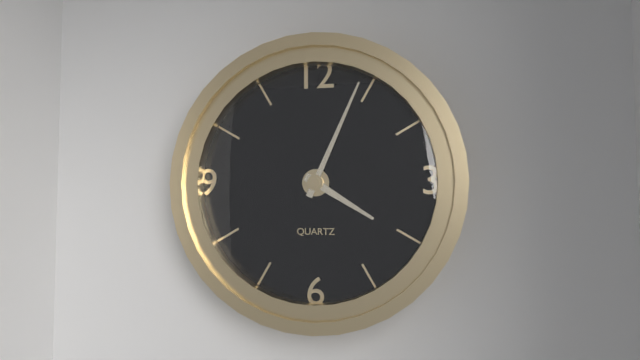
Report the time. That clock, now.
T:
4:04
